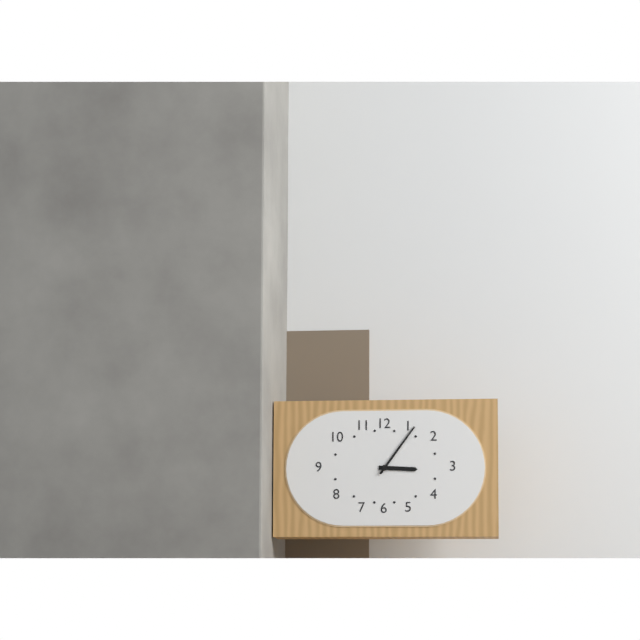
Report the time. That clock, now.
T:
3:06
